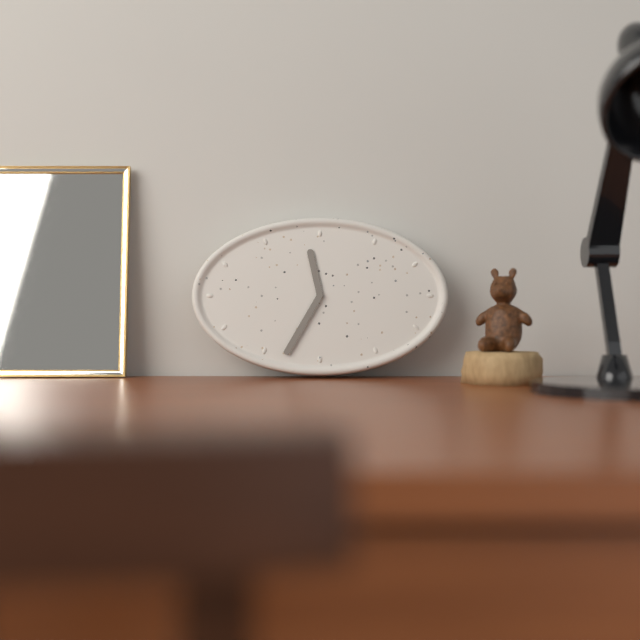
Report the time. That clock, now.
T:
11:35
